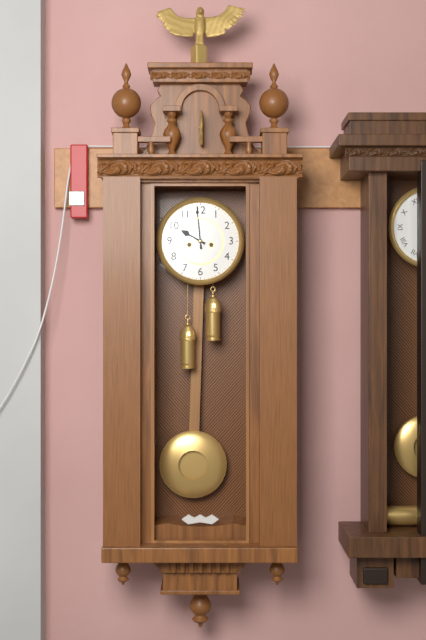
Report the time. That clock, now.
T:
9:59
